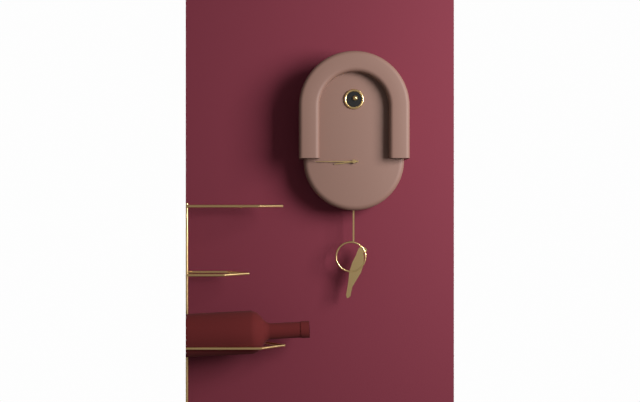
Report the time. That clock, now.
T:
8:45
